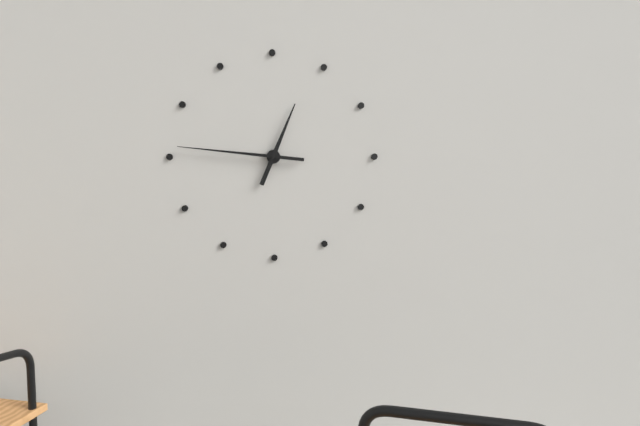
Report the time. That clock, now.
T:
12:46
